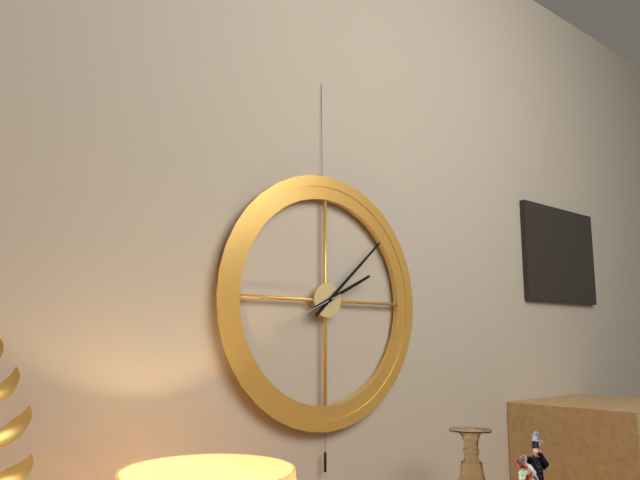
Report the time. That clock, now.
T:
2:08:41
